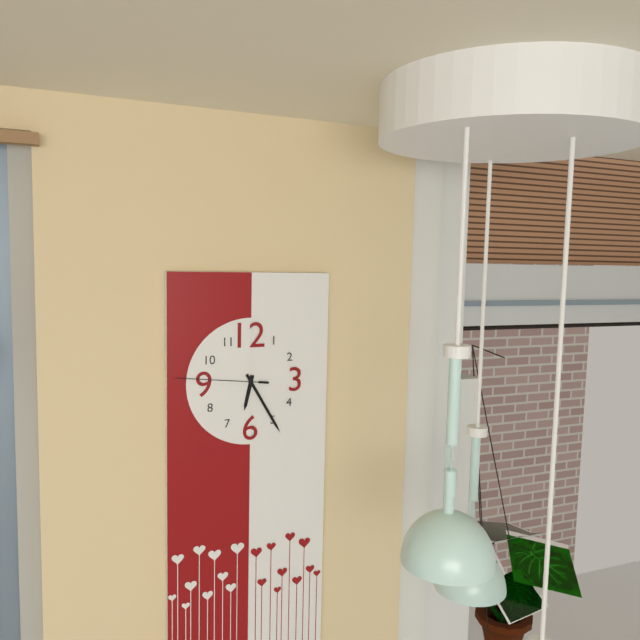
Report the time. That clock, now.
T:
6:25:46
